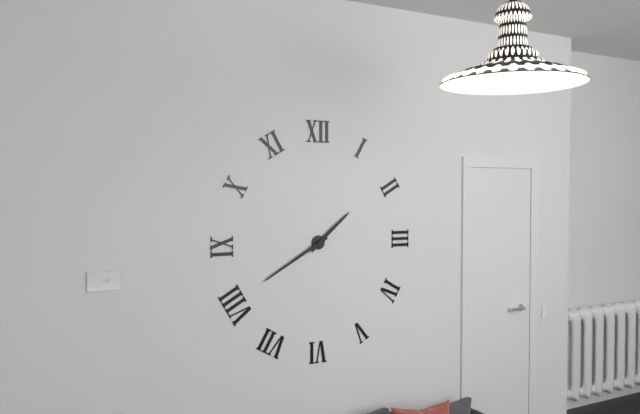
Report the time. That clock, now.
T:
1:40
